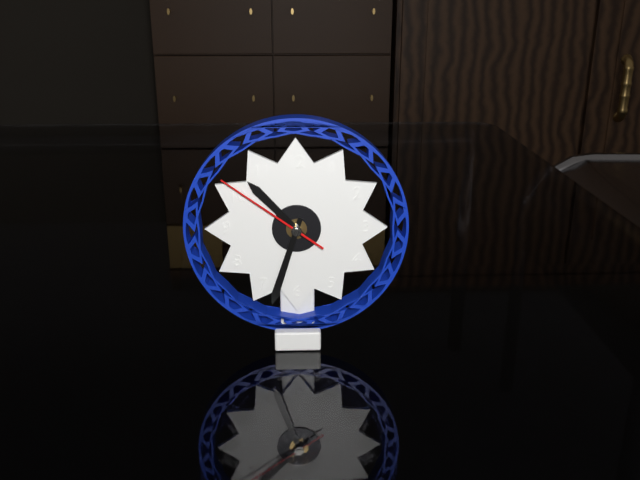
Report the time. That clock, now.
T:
10:33:51
